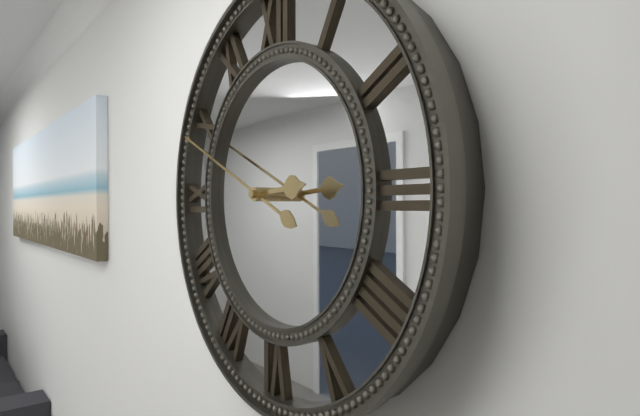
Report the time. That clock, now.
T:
2:49
